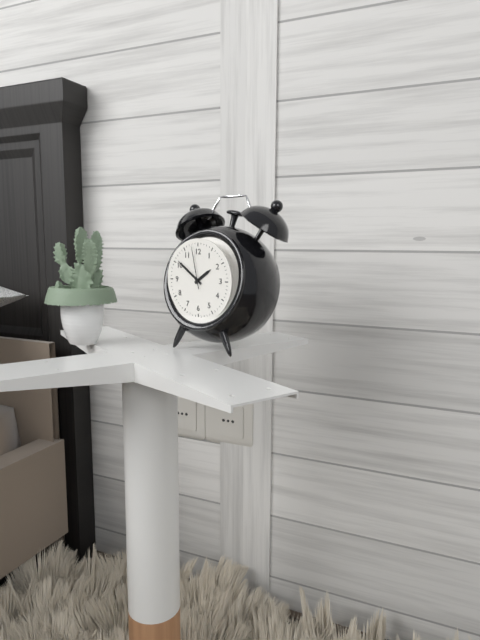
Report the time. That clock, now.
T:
1:51
